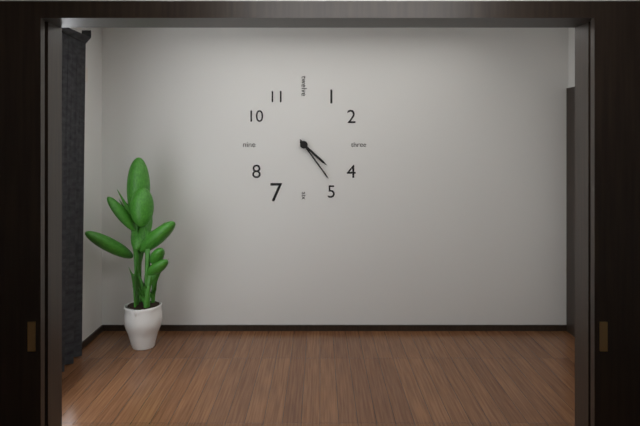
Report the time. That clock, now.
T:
4:24
